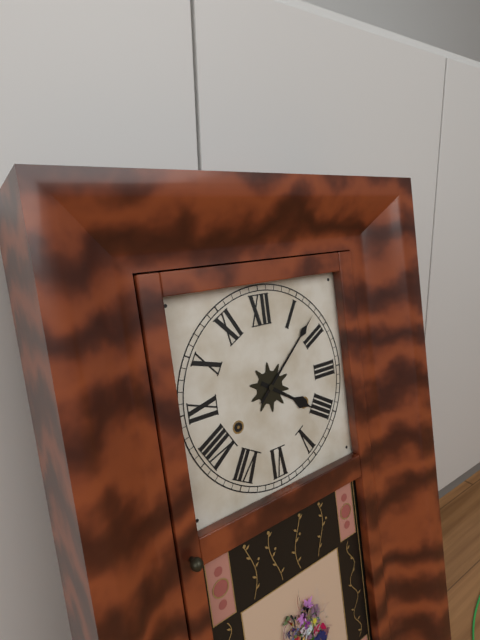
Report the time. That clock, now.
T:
4:08
